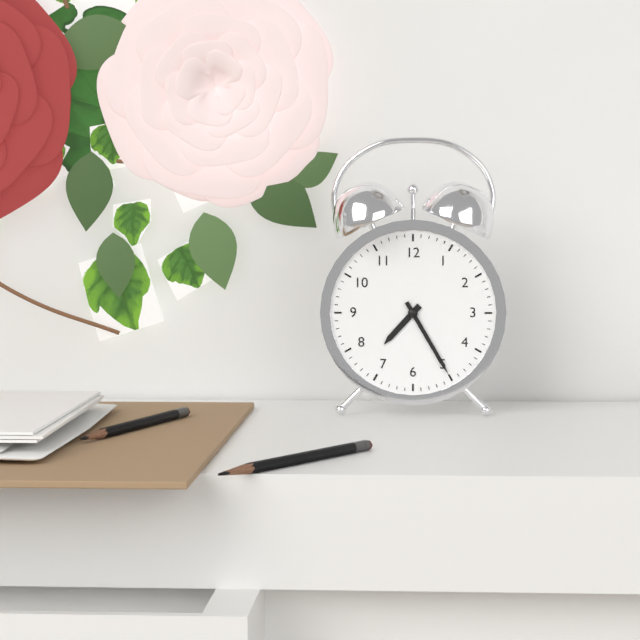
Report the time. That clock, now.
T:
7:25
